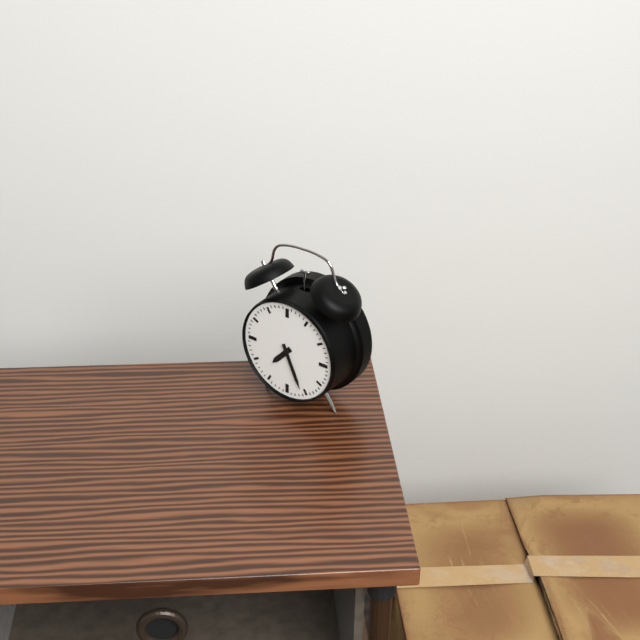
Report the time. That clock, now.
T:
7:26
